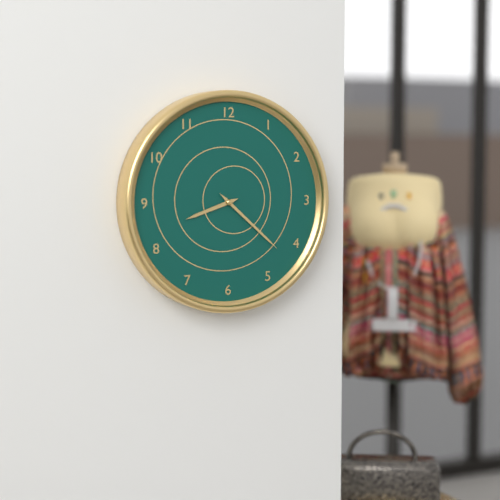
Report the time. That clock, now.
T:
8:22
